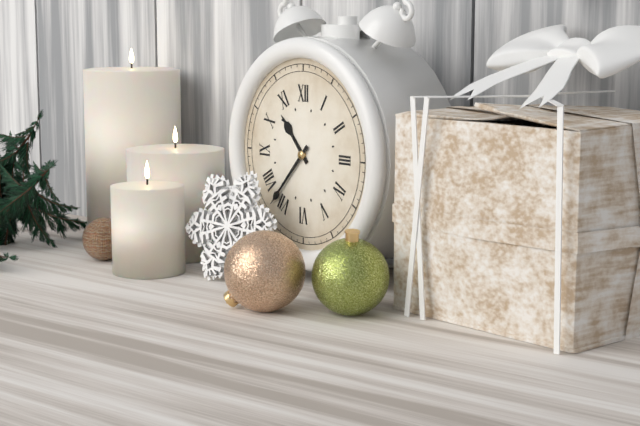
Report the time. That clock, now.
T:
10:37
